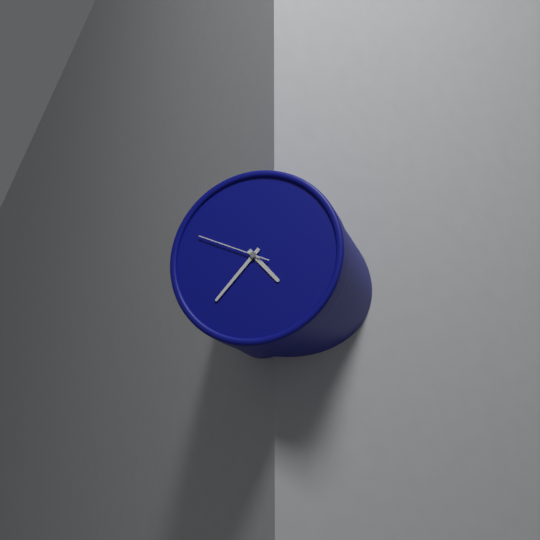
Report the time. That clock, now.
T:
4:37:49
